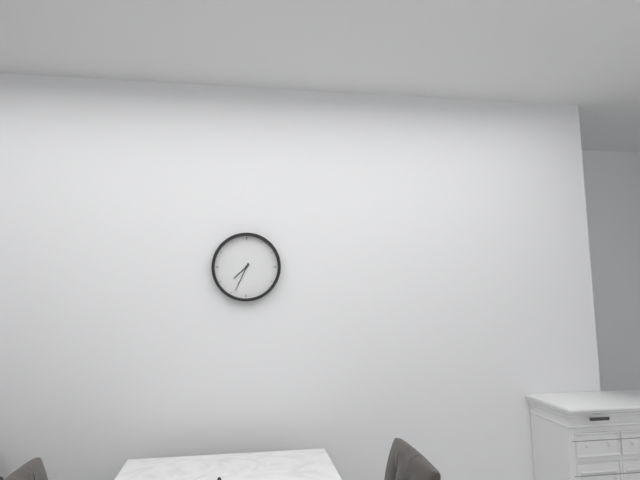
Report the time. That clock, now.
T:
7:34
